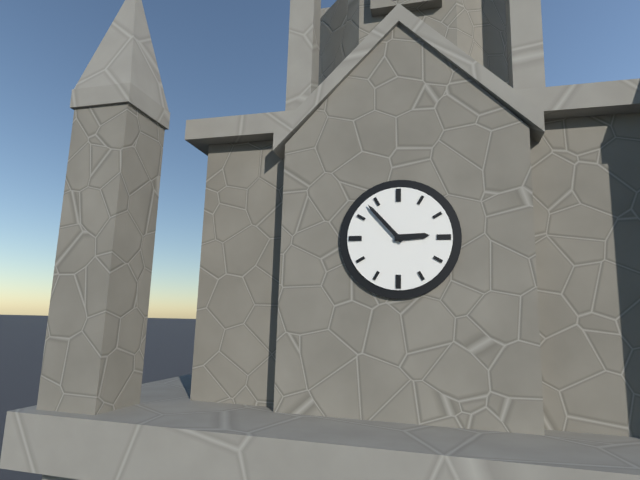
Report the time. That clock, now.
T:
2:53
